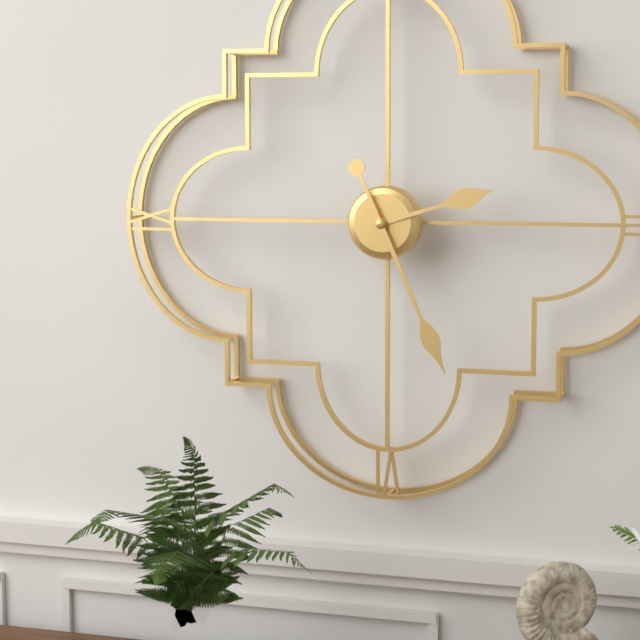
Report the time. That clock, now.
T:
2:26
